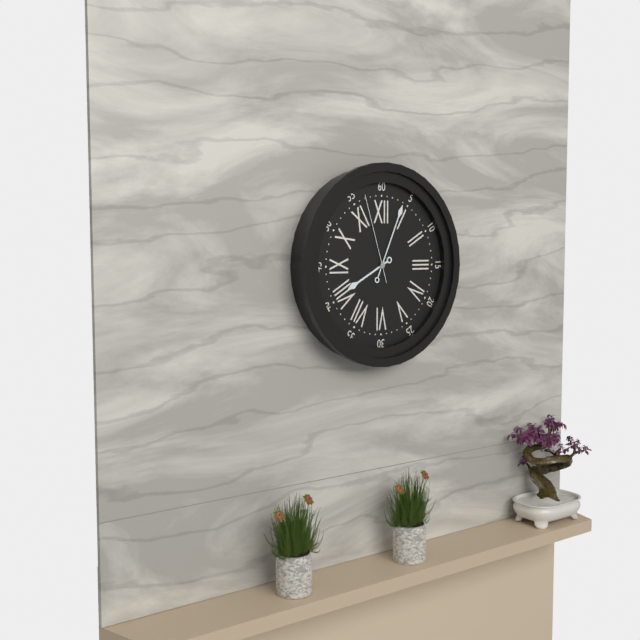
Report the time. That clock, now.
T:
8:04:57
